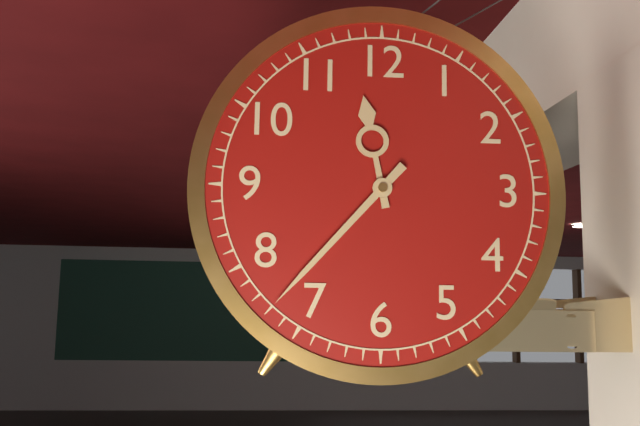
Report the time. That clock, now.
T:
11:37
